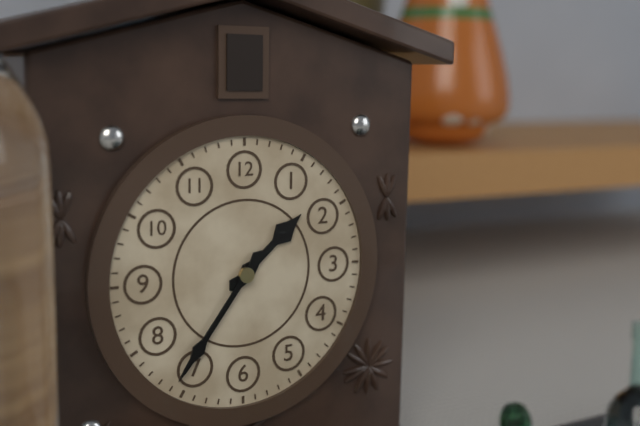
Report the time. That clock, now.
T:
1:36
